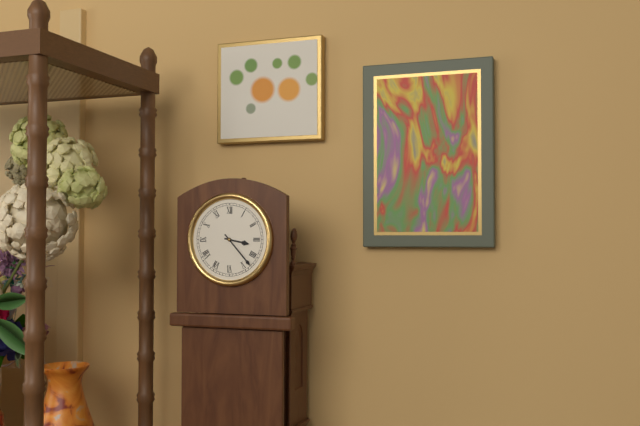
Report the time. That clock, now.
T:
3:23
